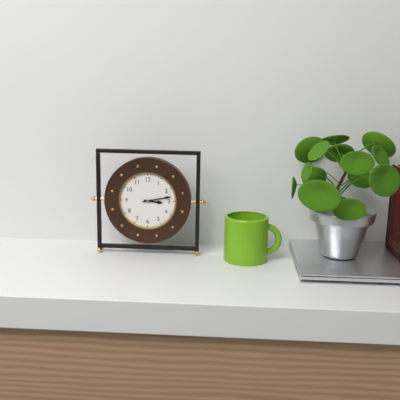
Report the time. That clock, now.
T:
3:13
